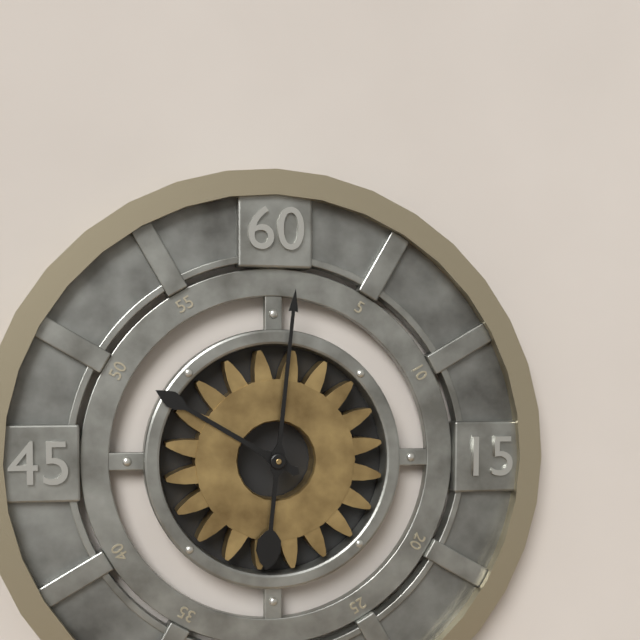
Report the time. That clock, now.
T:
10:01
